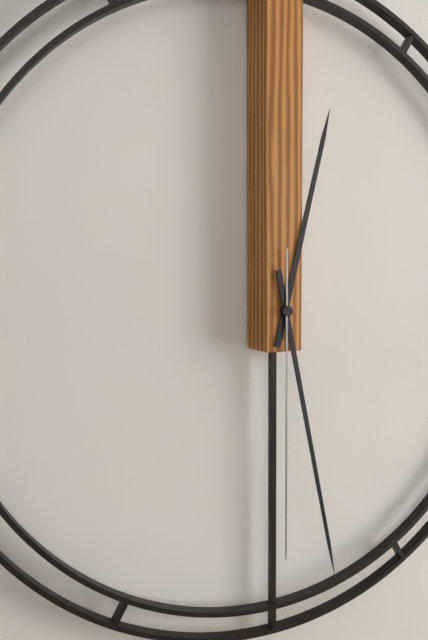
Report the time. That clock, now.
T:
12:28:30
